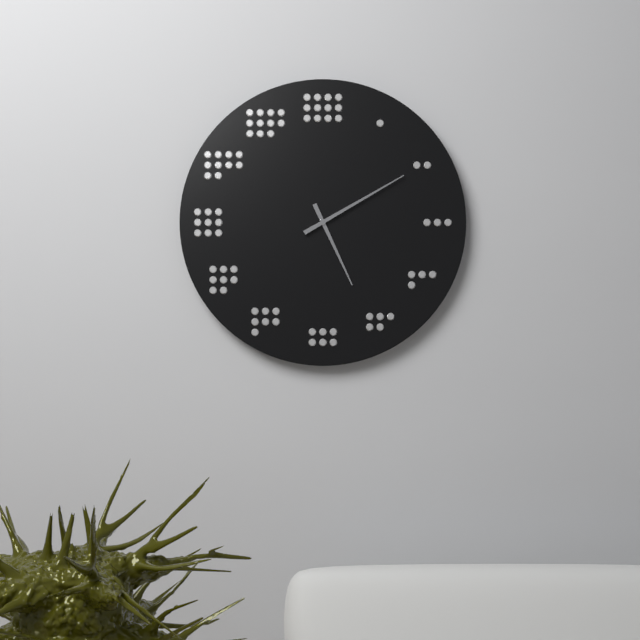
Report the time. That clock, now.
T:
5:10
